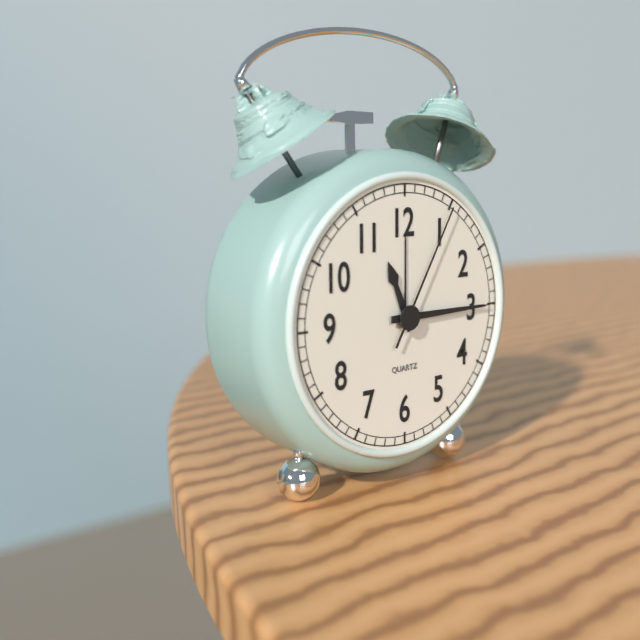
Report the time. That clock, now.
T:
11:15:05
